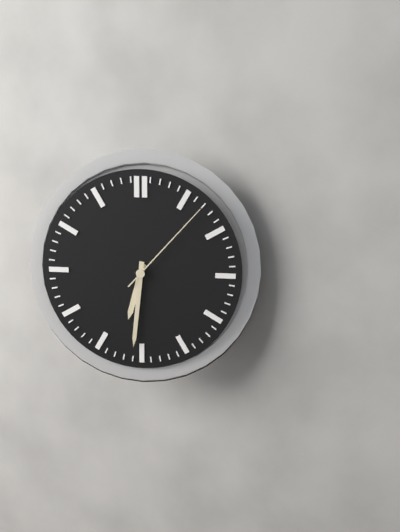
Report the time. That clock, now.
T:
6:31:07
